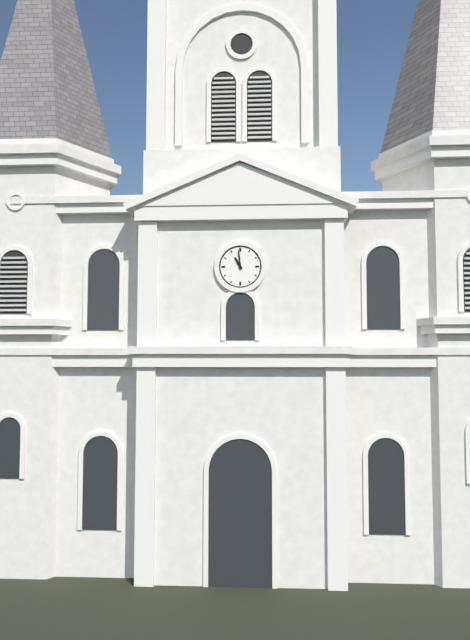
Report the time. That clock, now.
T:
10:59
